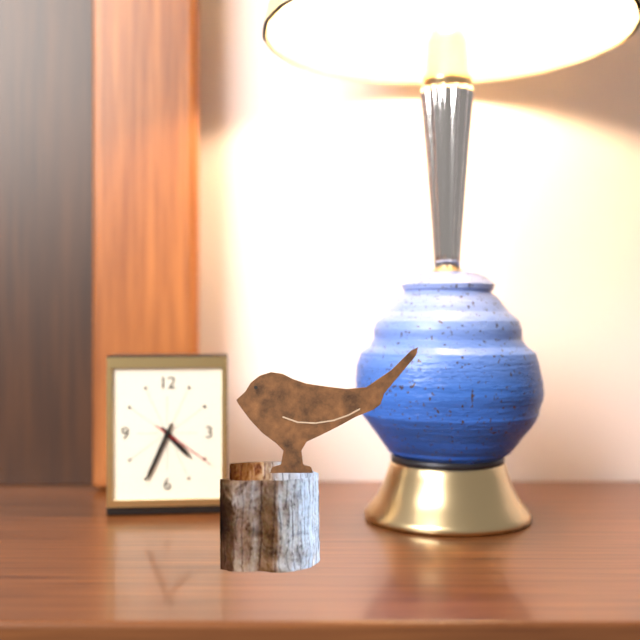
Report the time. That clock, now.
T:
4:34:21
